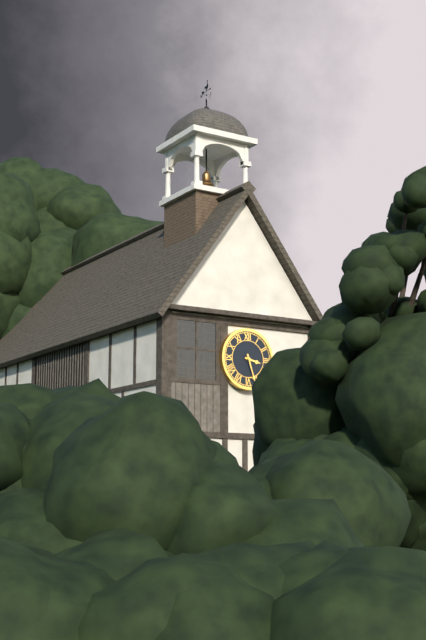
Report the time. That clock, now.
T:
3:27
